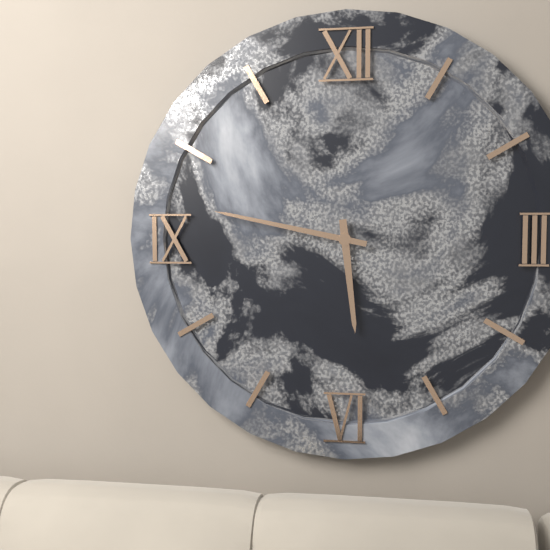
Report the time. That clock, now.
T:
5:47
